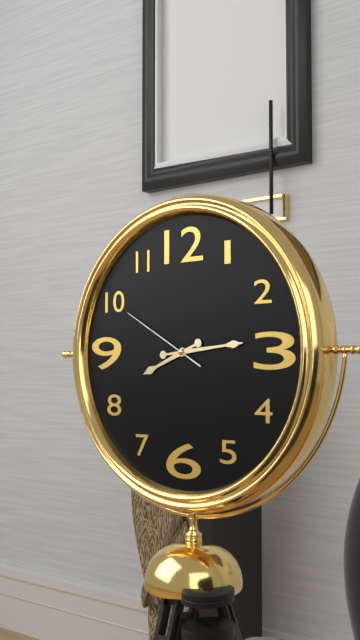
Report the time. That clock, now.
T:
8:14:50
